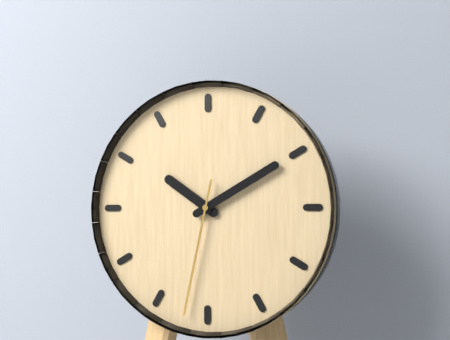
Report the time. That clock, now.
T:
10:10:32
